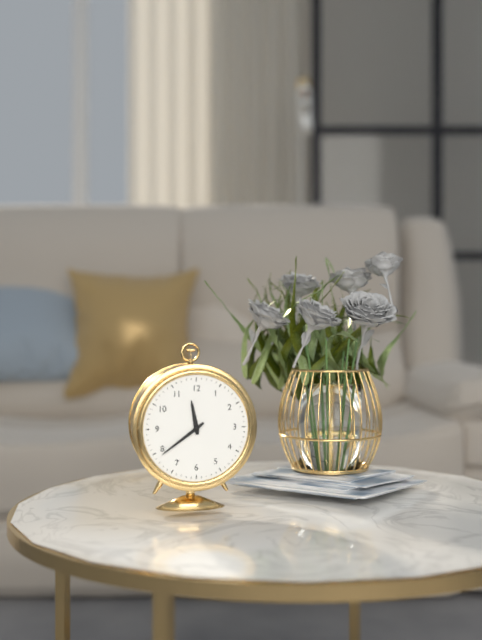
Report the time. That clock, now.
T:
11:39
